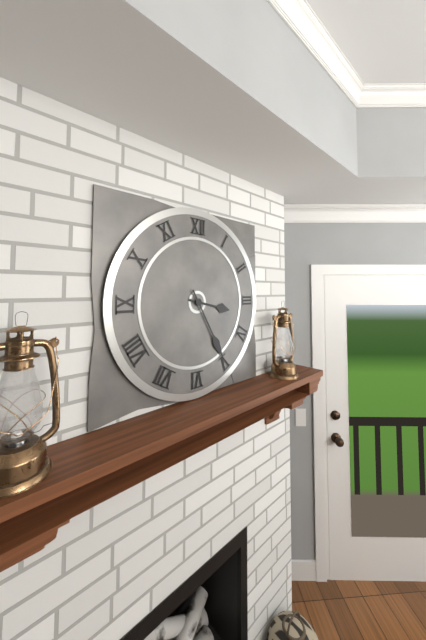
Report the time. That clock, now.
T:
3:25
